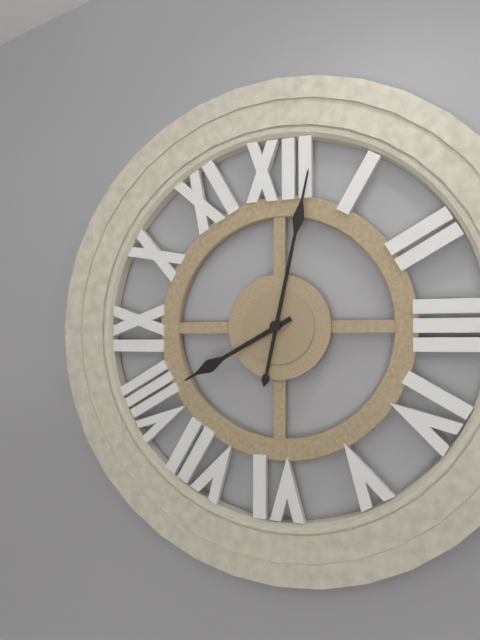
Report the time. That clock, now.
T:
8:02
